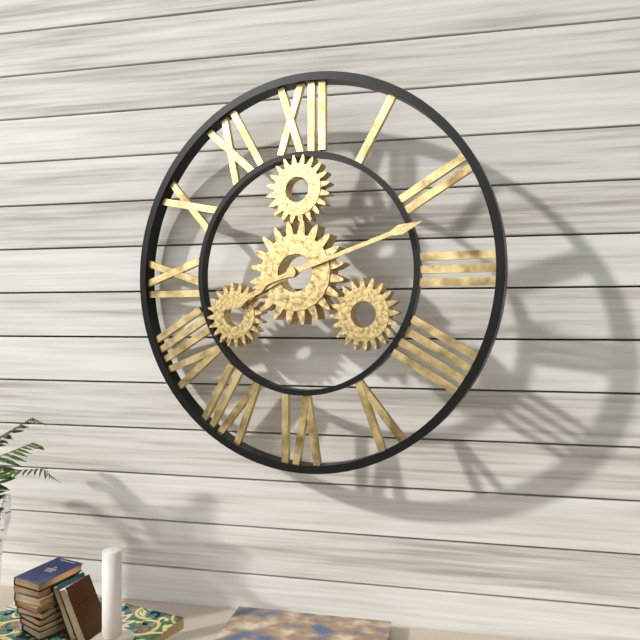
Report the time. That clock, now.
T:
8:12
